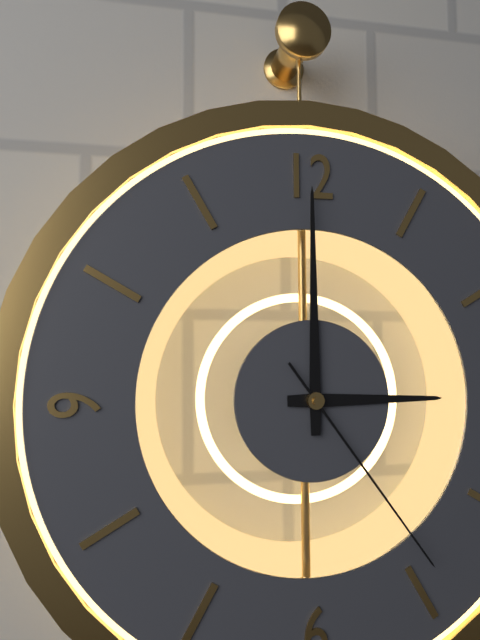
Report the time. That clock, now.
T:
3:00:24
